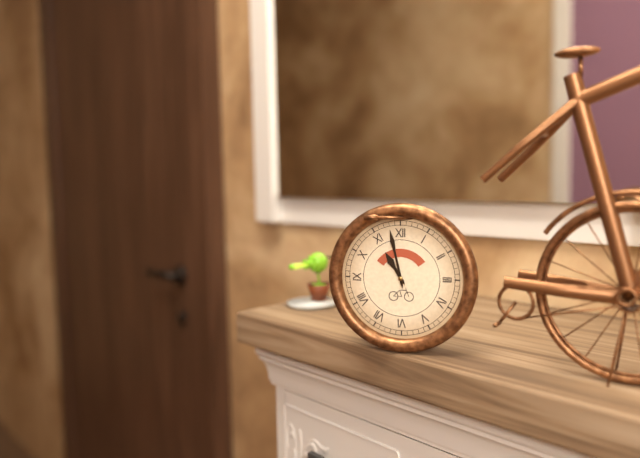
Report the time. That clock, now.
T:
10:58
